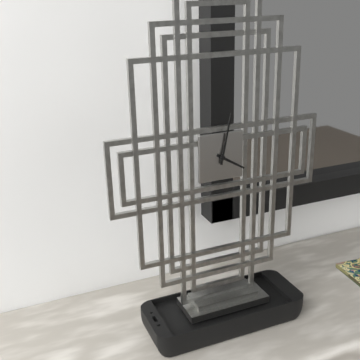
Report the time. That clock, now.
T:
4:02
